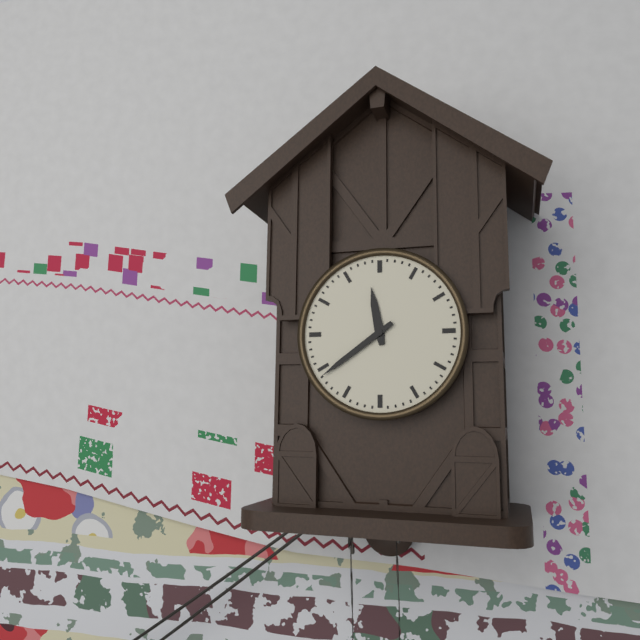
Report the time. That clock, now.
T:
11:39
